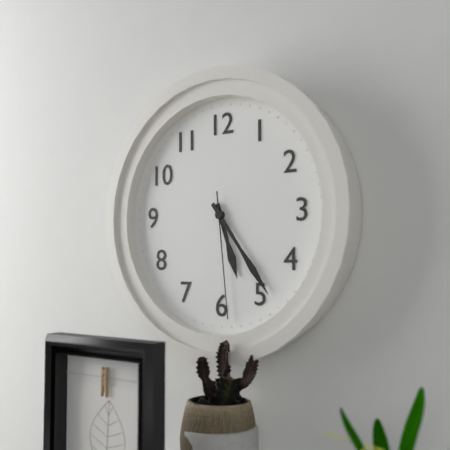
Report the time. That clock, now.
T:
5:24:29
